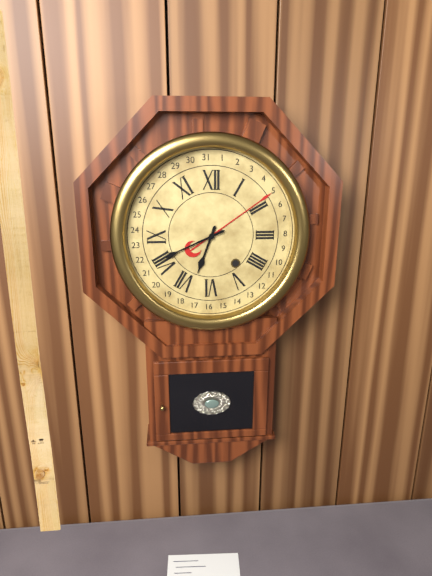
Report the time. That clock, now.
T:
6:41
